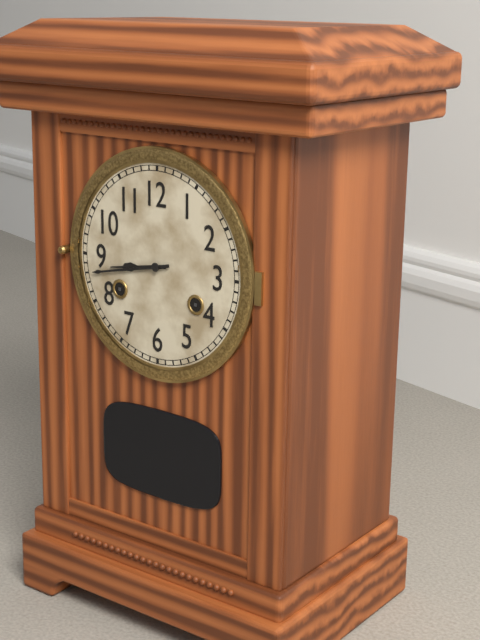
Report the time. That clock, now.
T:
8:43
